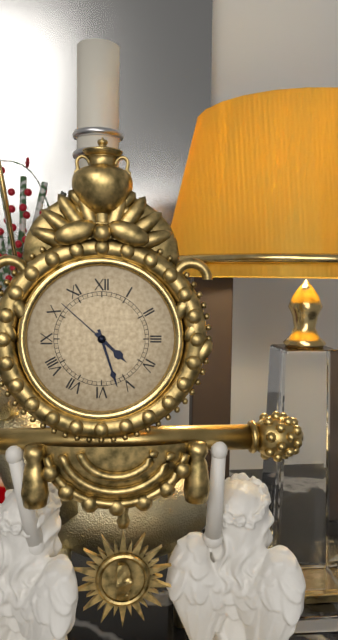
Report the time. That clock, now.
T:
4:27:52
